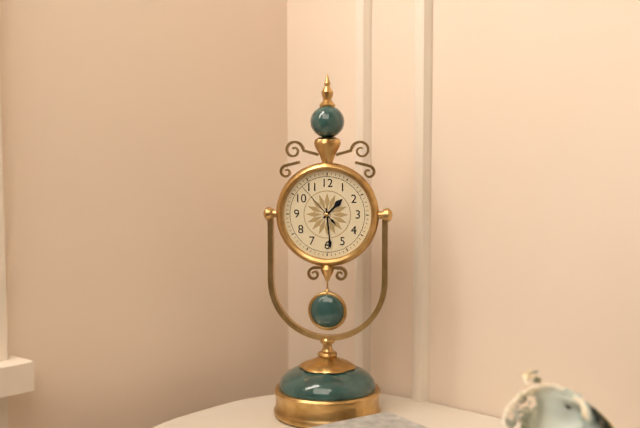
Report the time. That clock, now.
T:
1:29
